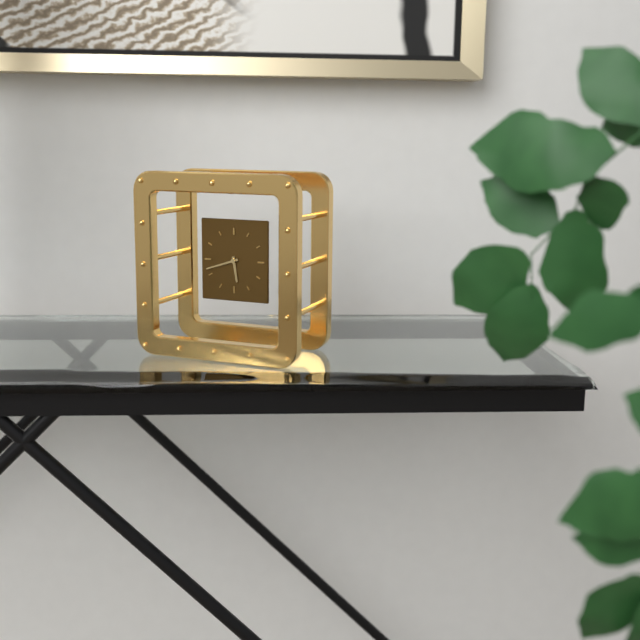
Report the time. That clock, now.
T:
5:42
